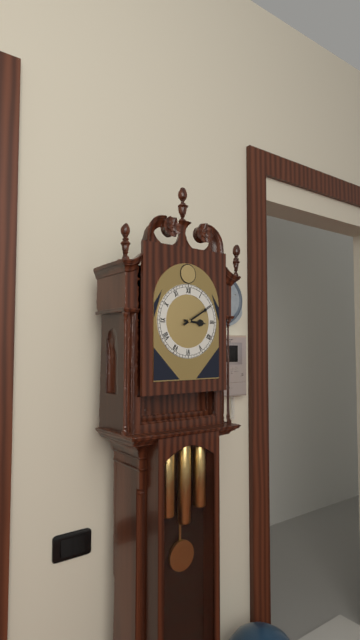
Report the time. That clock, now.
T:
3:10
